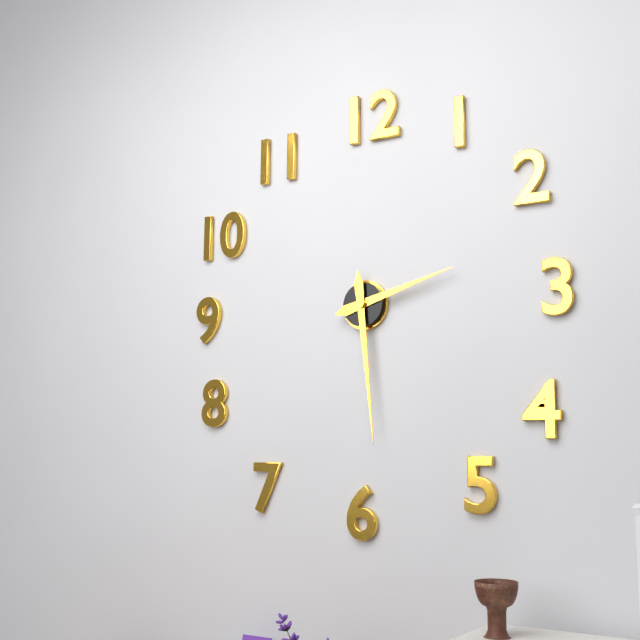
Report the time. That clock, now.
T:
2:29
